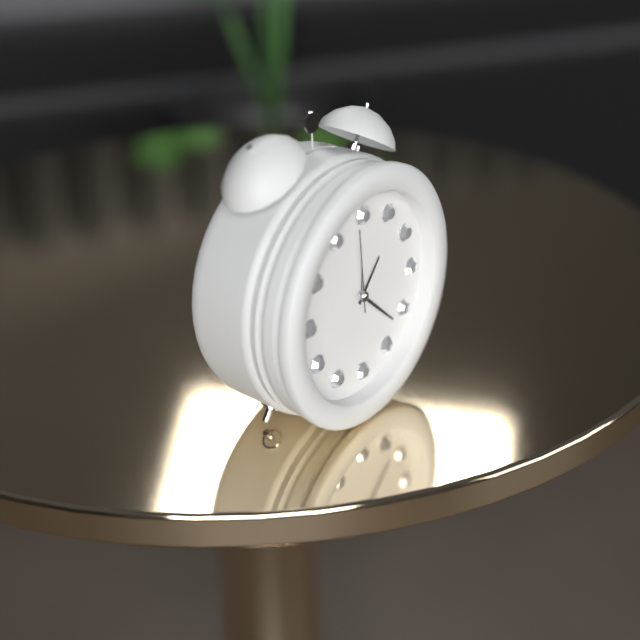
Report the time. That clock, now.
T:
1:22:59
